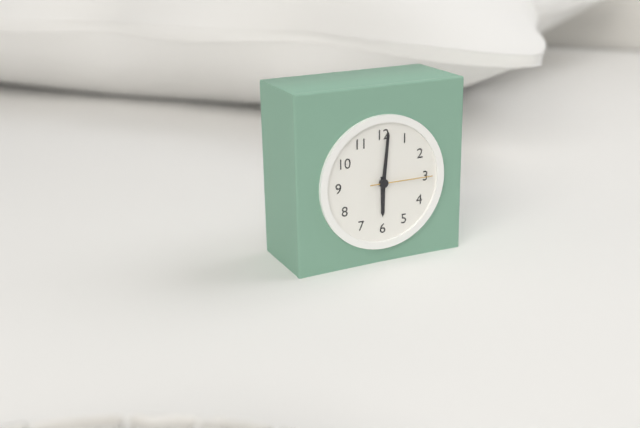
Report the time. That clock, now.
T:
6:01:15
